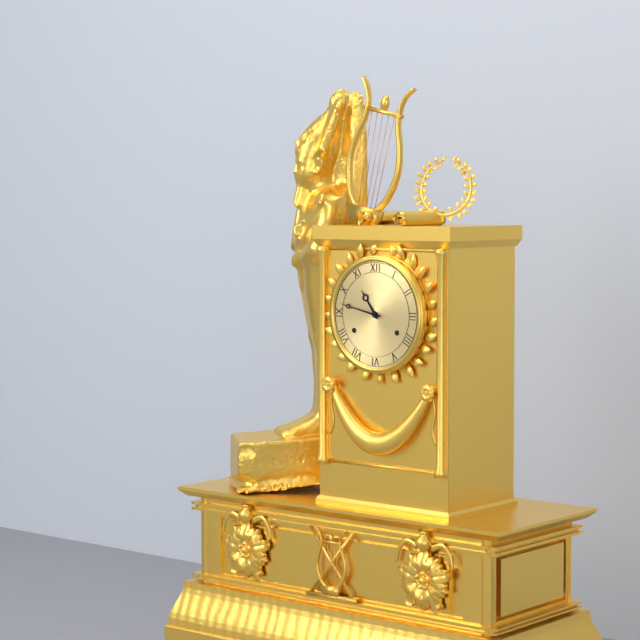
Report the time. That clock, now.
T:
10:47
